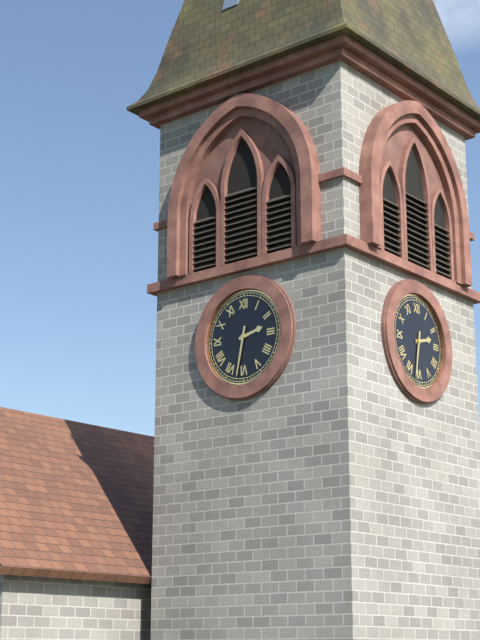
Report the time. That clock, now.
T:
2:32
